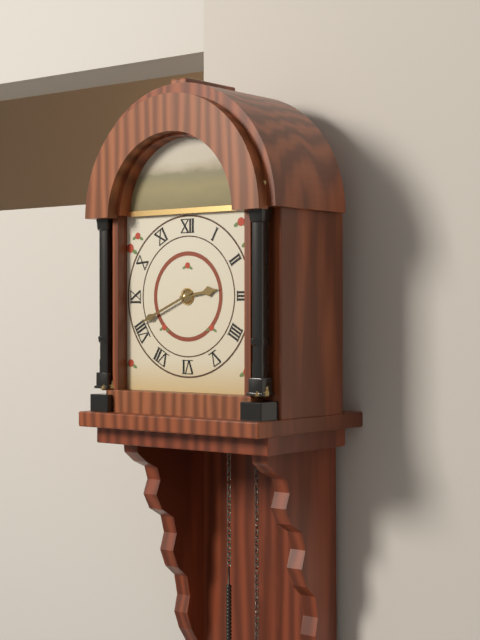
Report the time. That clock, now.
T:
2:41
